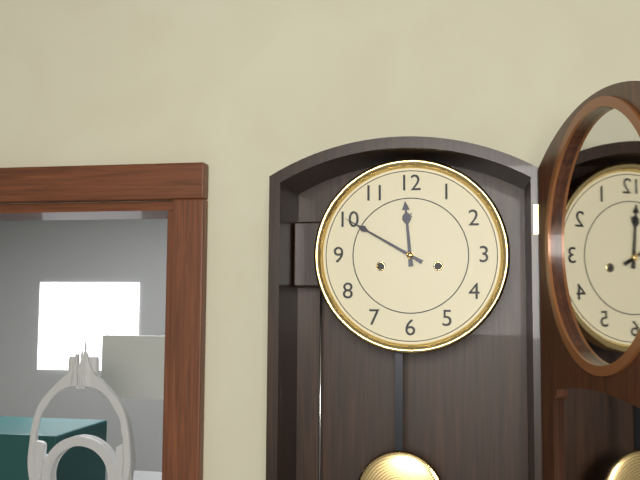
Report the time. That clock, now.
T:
11:50
